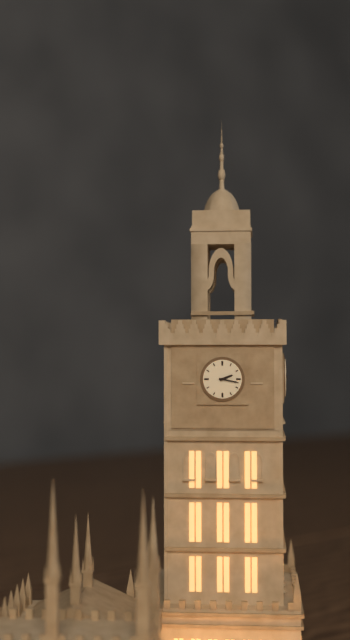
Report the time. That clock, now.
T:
2:17
